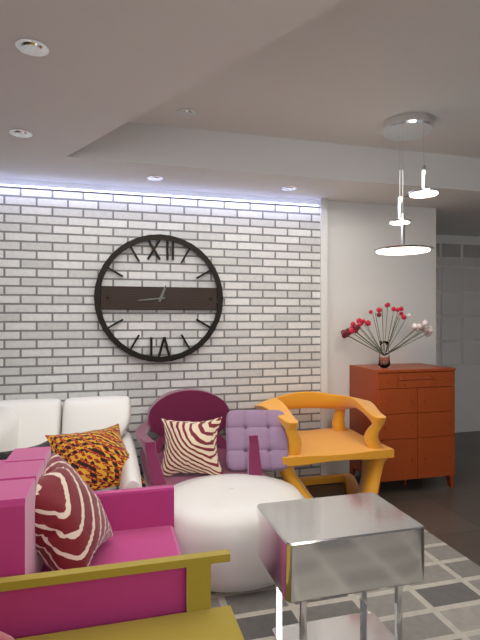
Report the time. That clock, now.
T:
12:44
